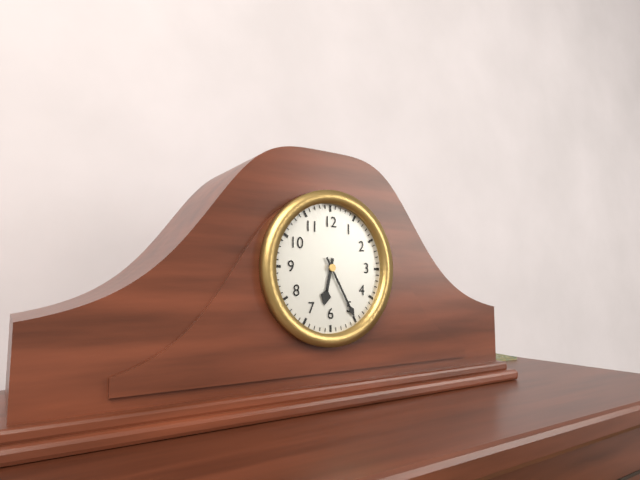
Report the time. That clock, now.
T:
6:25
